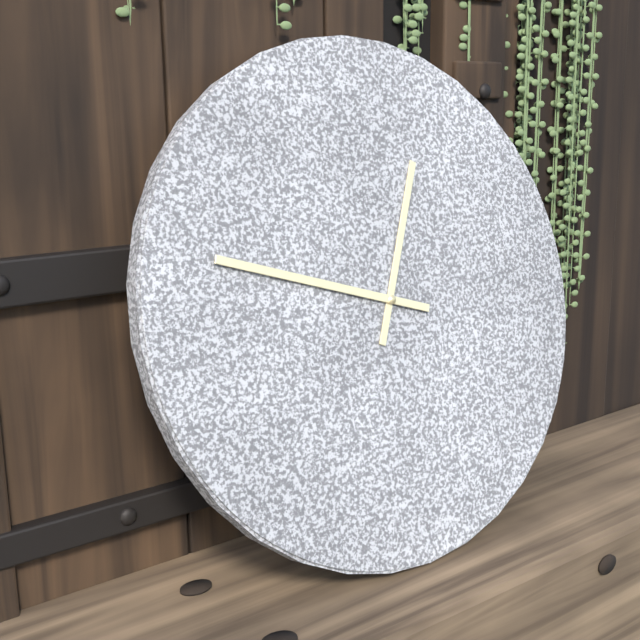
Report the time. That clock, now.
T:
12:48
